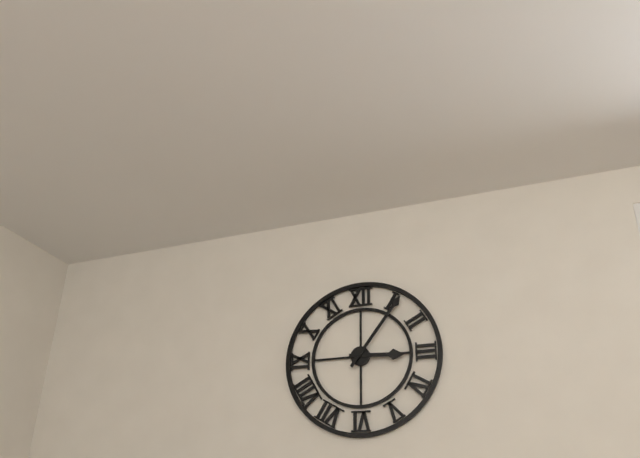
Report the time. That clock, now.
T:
3:06
